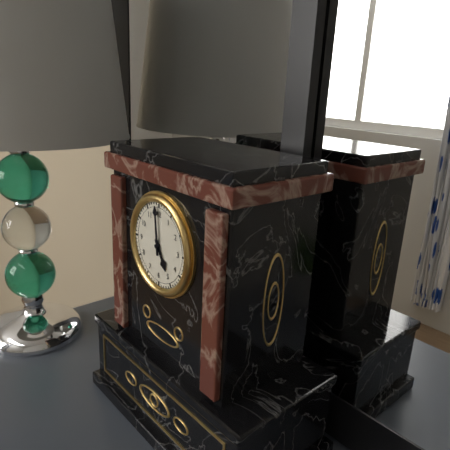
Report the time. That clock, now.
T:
4:59
